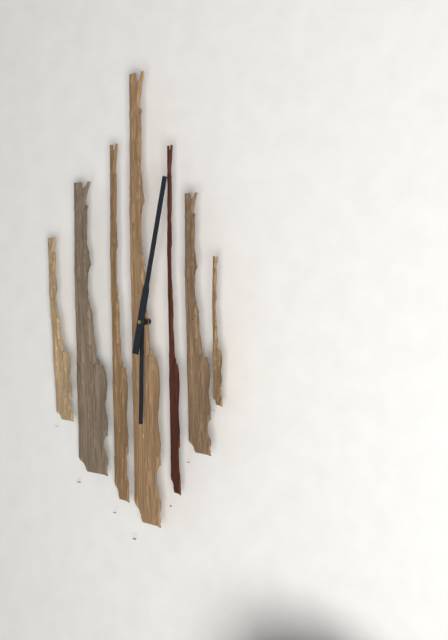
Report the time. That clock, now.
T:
6:02
